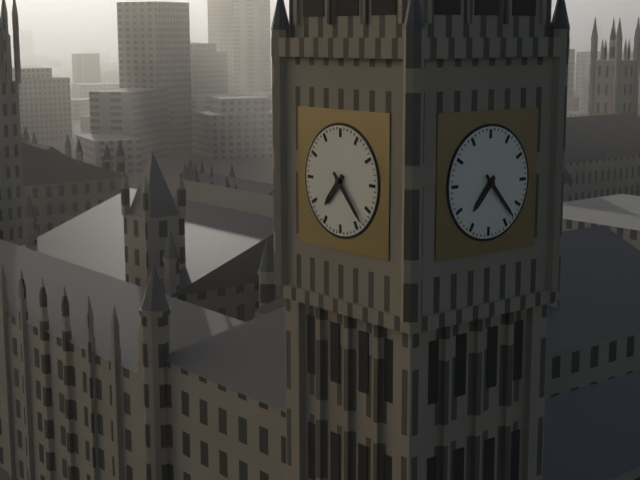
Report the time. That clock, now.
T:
7:23
